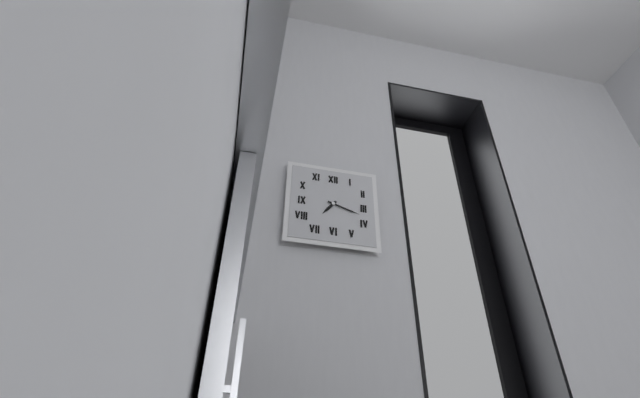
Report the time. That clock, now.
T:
7:18
